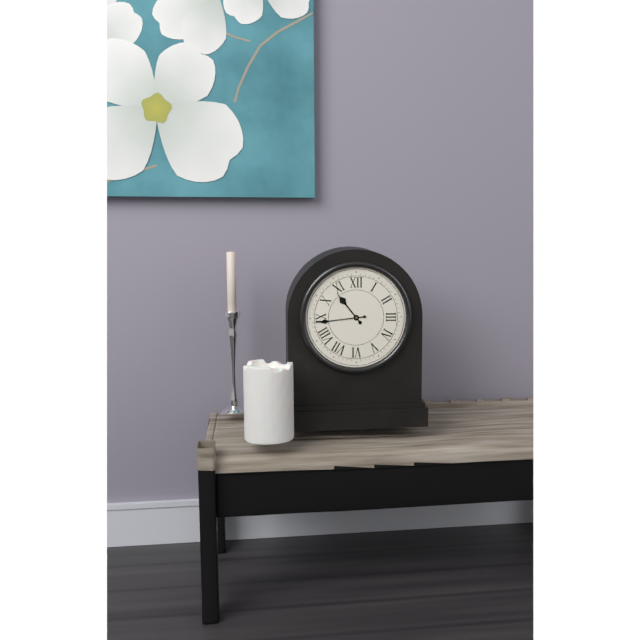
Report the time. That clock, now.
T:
10:44
